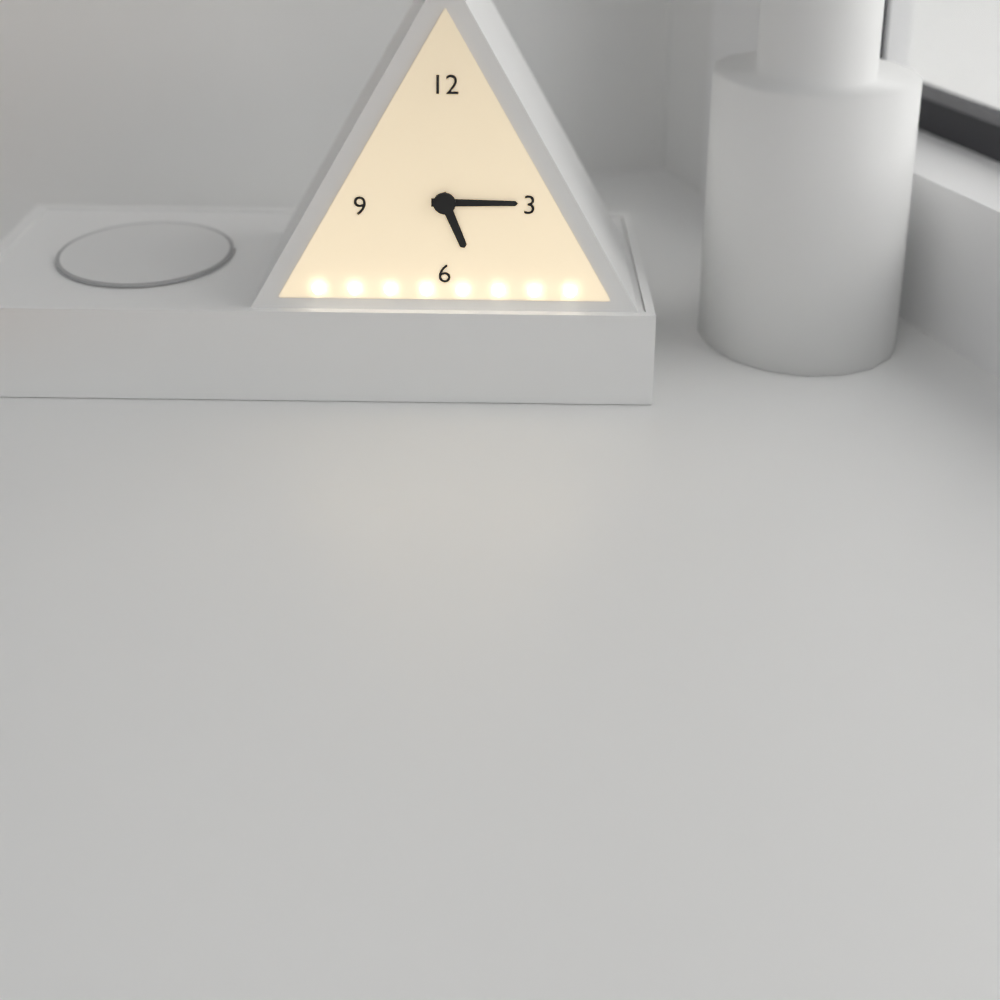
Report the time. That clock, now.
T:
5:15
